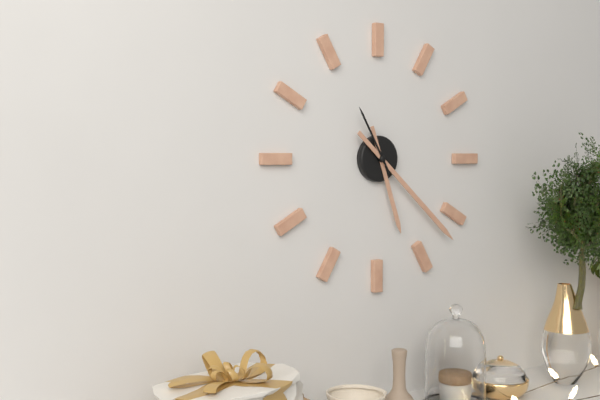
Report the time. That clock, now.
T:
5:22:55
